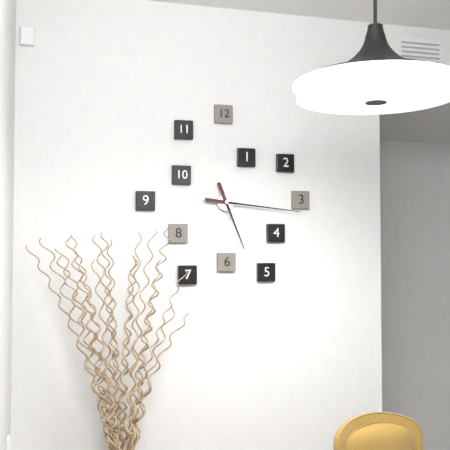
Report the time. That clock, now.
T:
5:16
